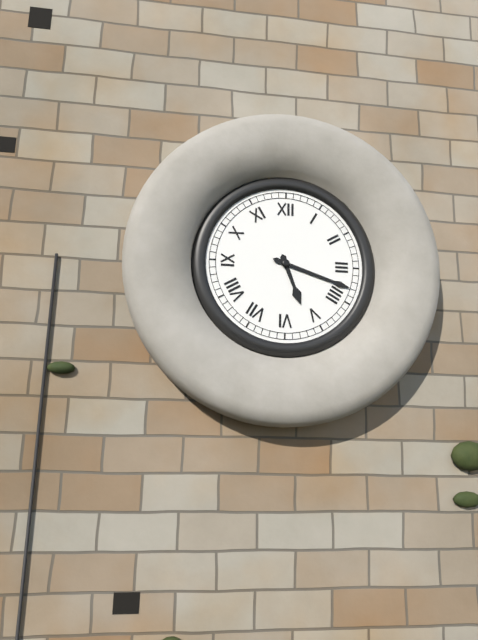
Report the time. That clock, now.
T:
5:18
